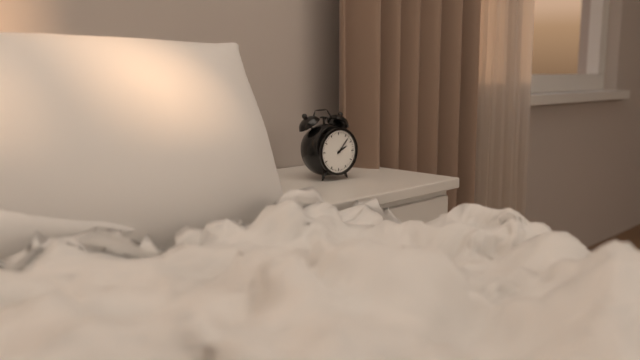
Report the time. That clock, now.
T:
2:07
